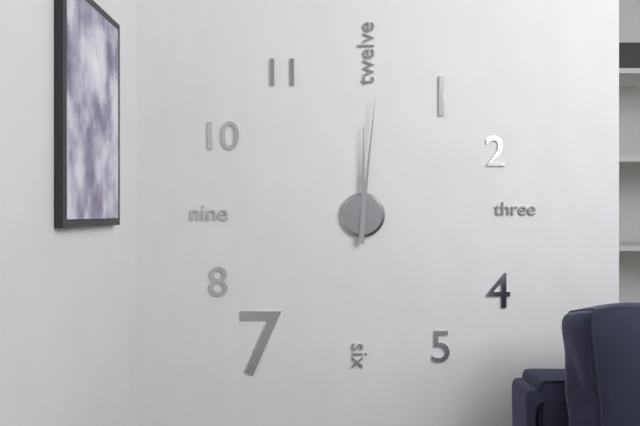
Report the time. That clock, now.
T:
12:01
